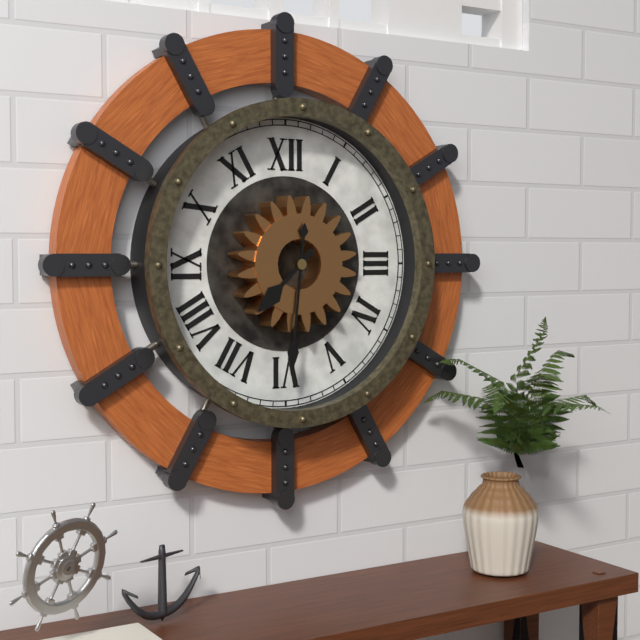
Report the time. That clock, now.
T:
7:31
